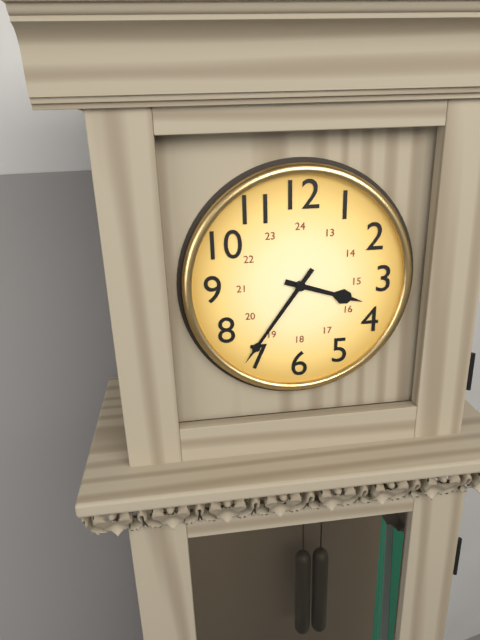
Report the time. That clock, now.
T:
3:36
